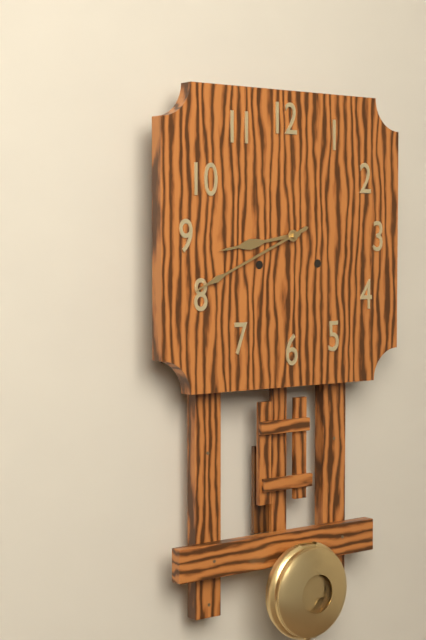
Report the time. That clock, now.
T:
8:41
